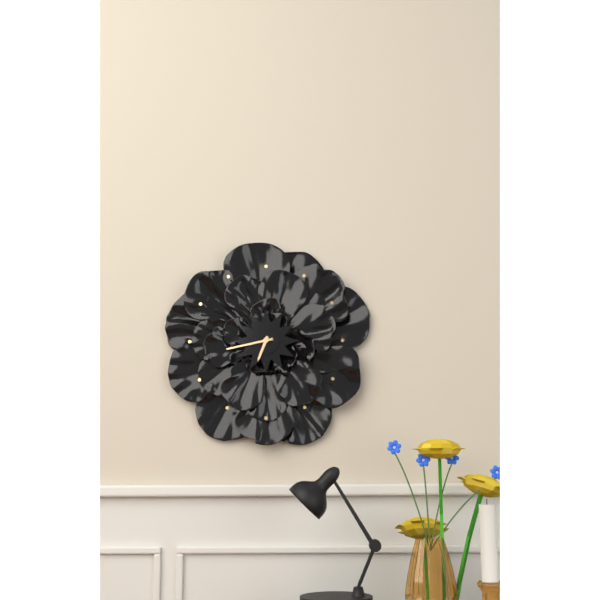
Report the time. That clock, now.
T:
6:43
